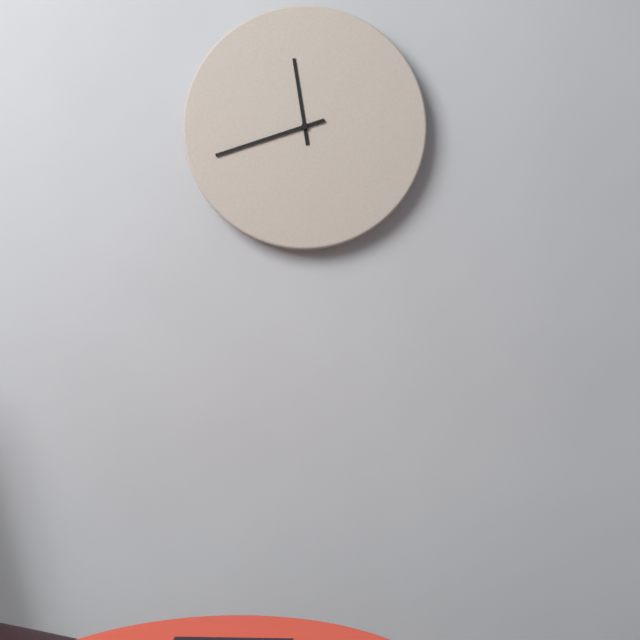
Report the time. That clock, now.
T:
11:42
